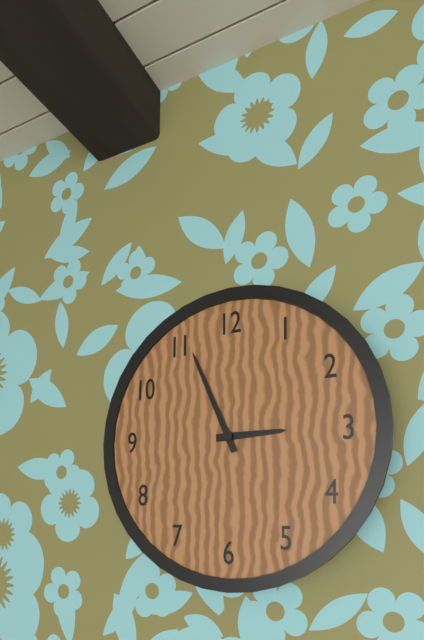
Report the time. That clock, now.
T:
2:56
